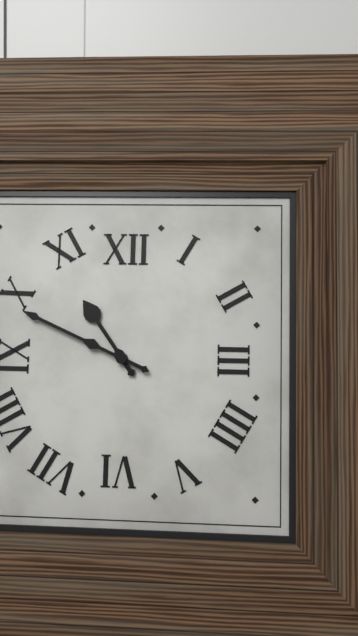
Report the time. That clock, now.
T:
10:49
